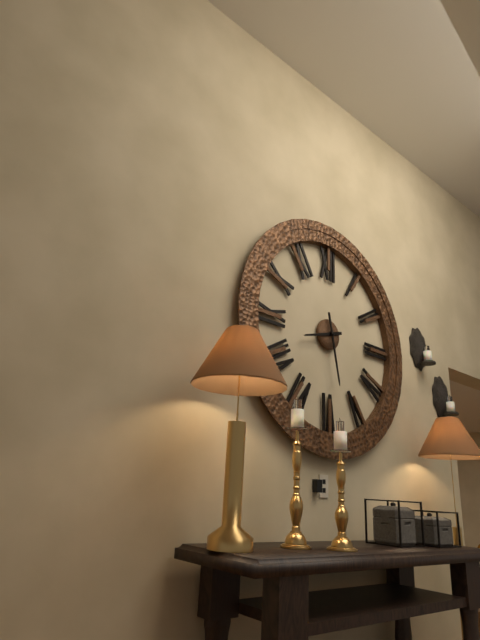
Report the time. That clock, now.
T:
8:28
